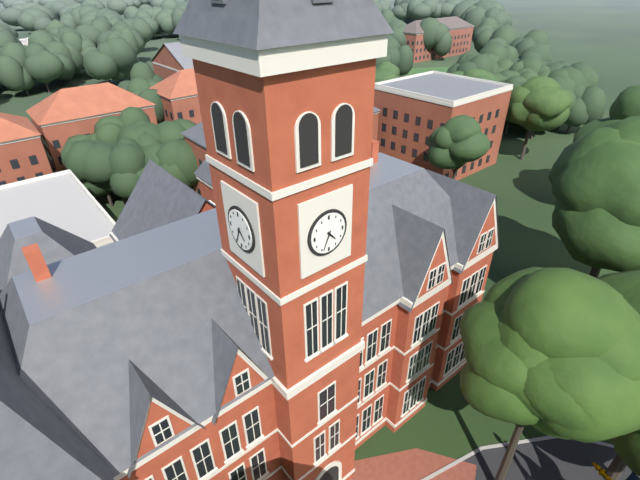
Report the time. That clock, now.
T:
4:34
